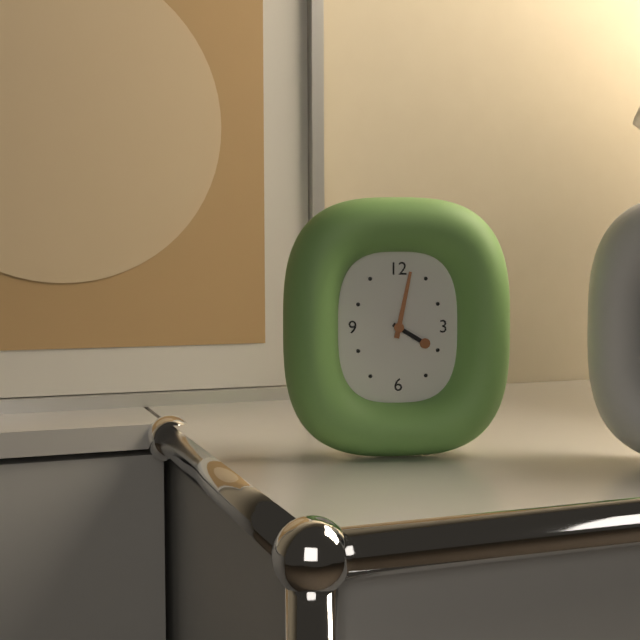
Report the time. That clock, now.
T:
4:02
